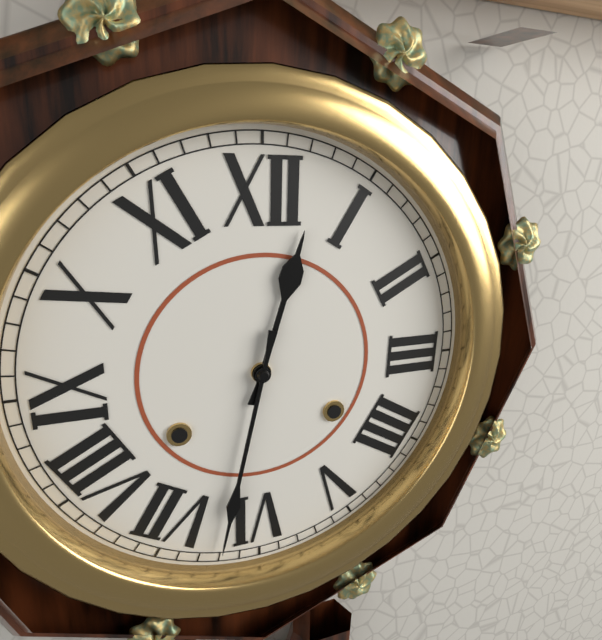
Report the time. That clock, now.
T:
12:32
